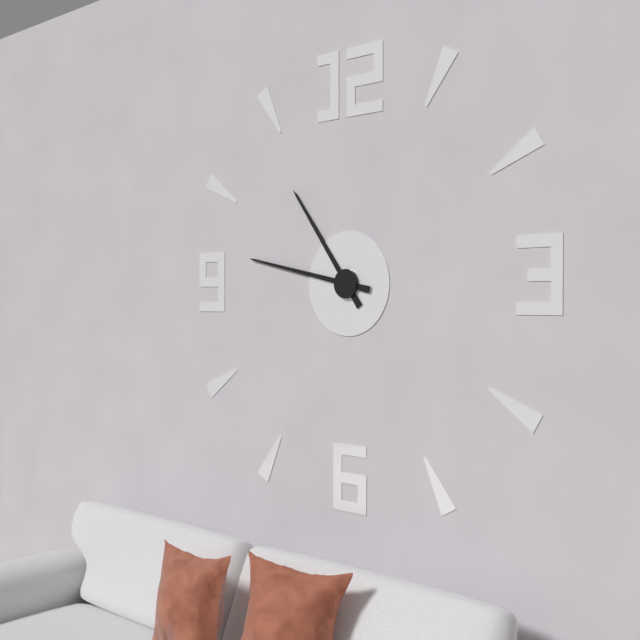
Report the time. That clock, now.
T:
10:47
